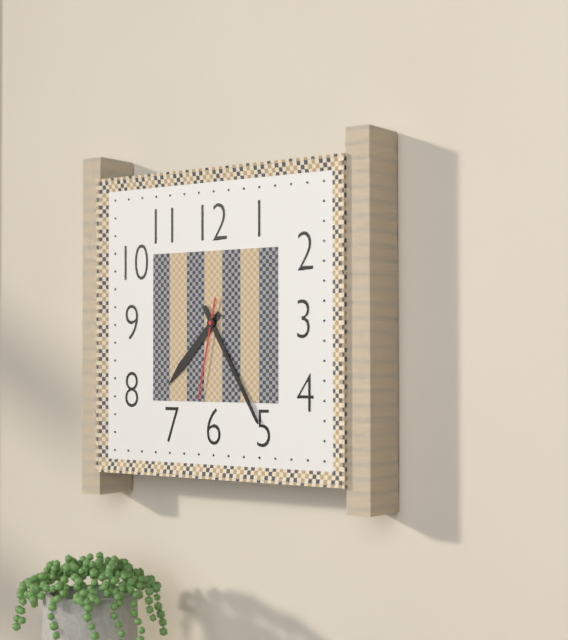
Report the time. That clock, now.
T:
7:25:32
